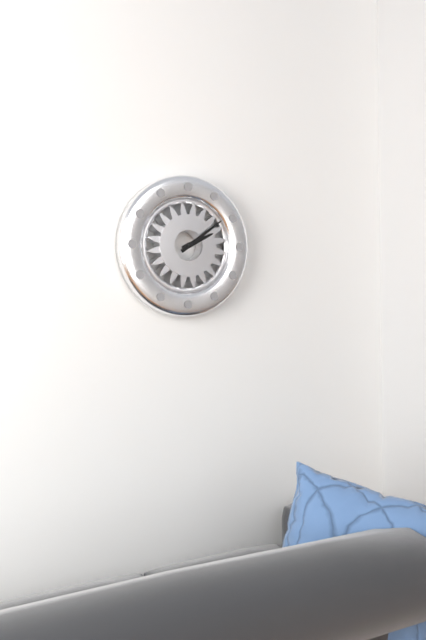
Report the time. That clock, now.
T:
2:09
